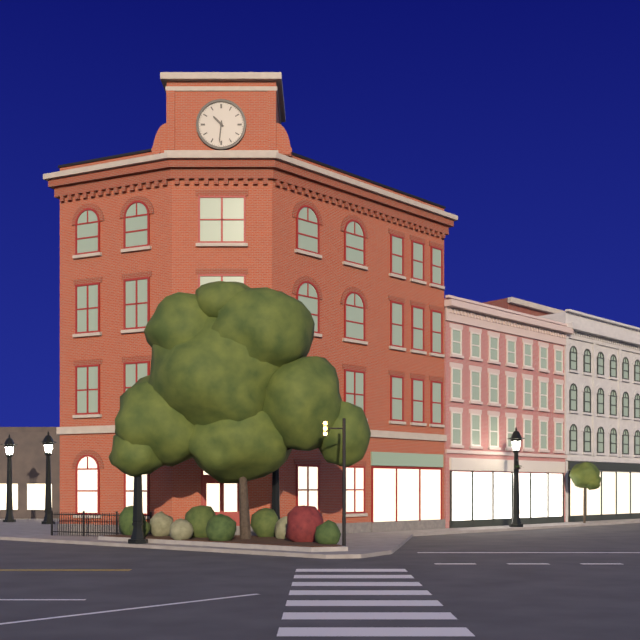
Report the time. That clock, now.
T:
10:31
